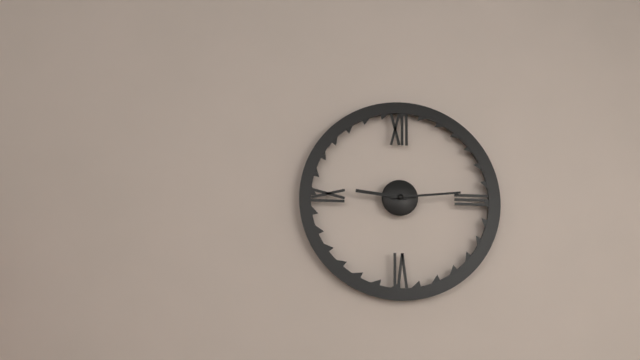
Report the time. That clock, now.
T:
9:14
